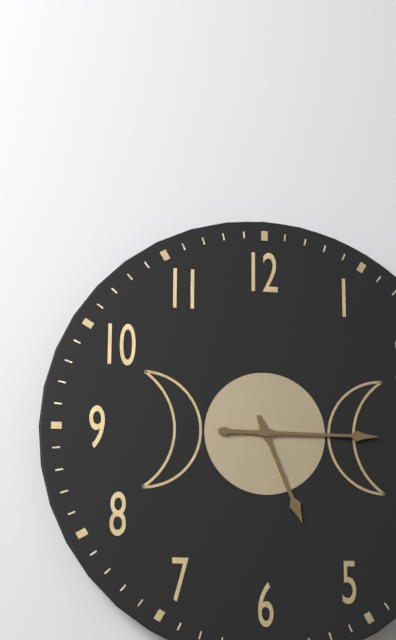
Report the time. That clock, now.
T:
5:15
